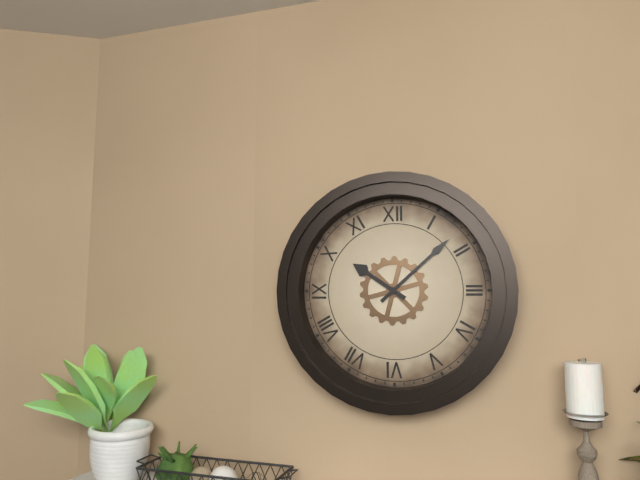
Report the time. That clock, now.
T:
10:08
